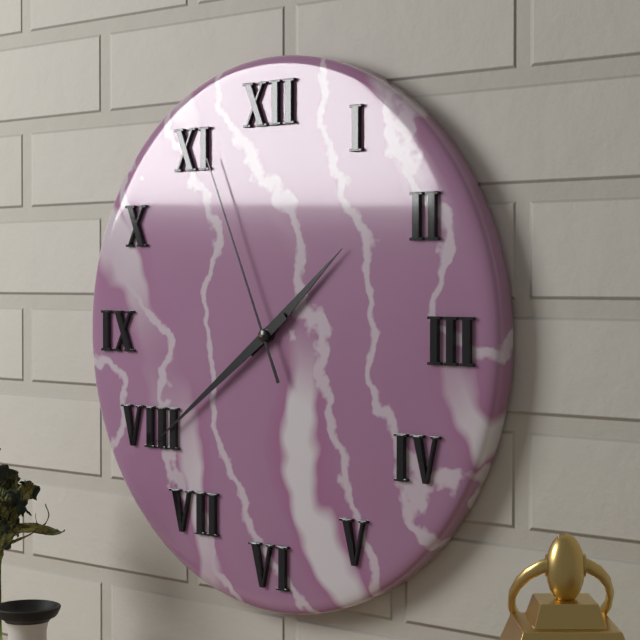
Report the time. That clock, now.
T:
1:39:56
